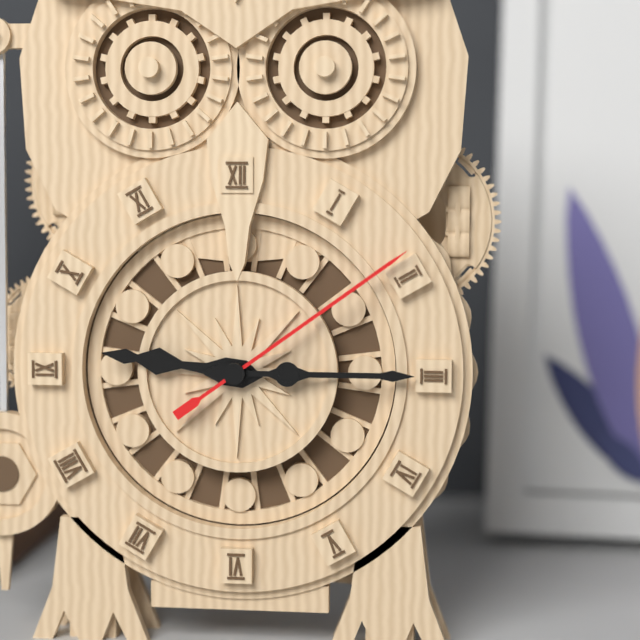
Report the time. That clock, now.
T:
9:15:09
